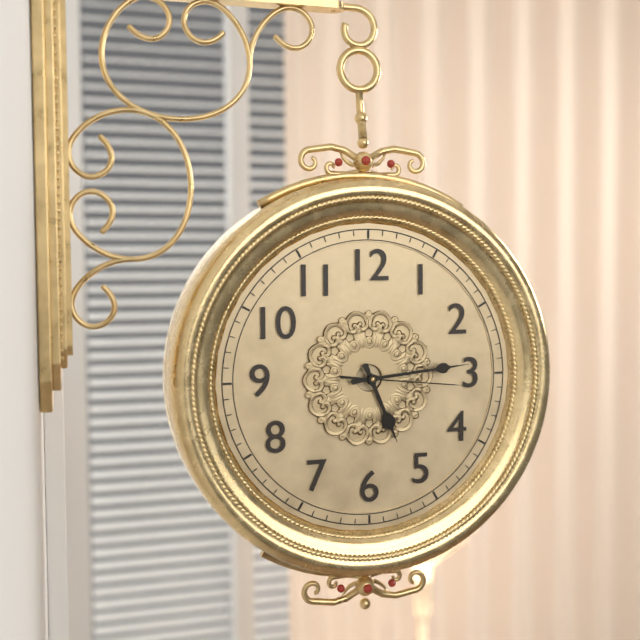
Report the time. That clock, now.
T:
5:14:16
